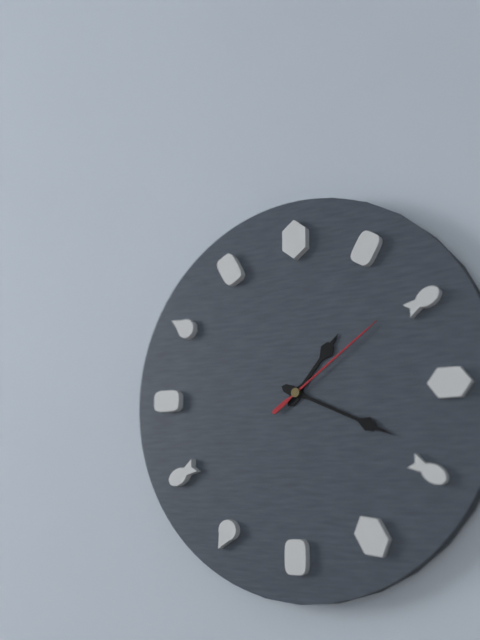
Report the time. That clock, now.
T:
1:19:09
